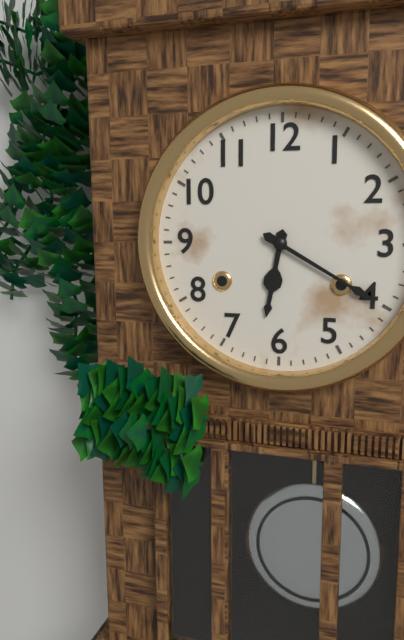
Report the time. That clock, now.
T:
6:20
